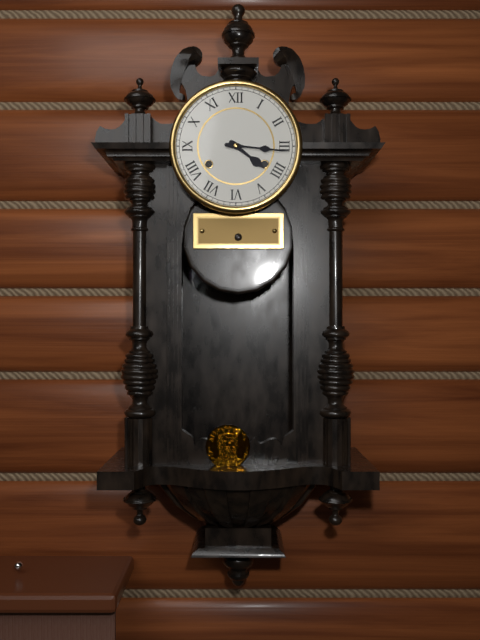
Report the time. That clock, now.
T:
4:16
